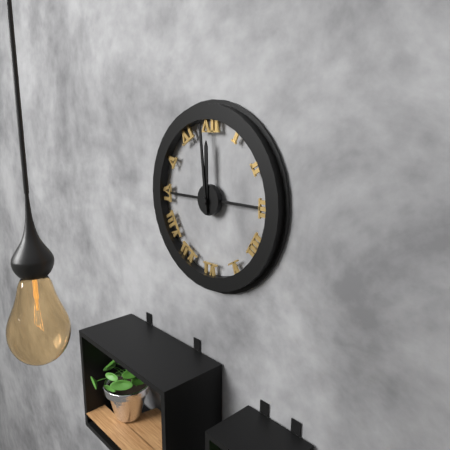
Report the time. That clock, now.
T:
11:59
